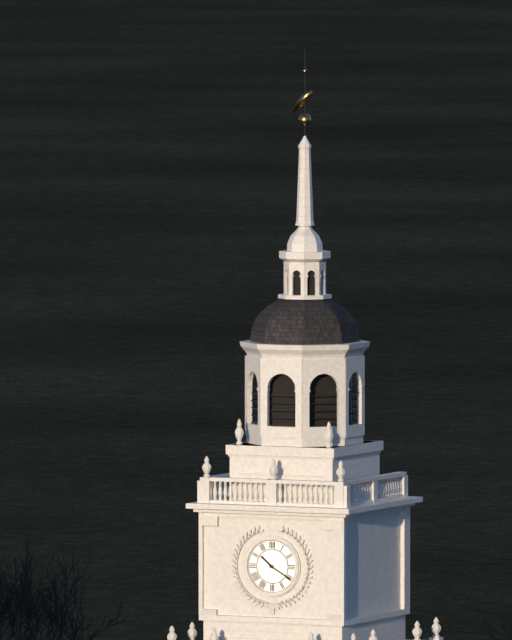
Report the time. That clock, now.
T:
10:20
